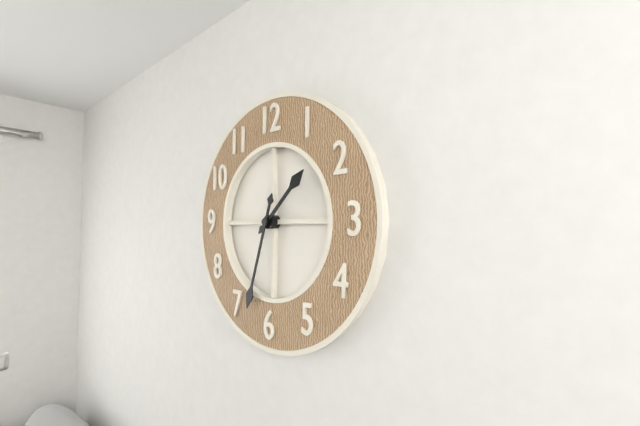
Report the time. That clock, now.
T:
1:33
